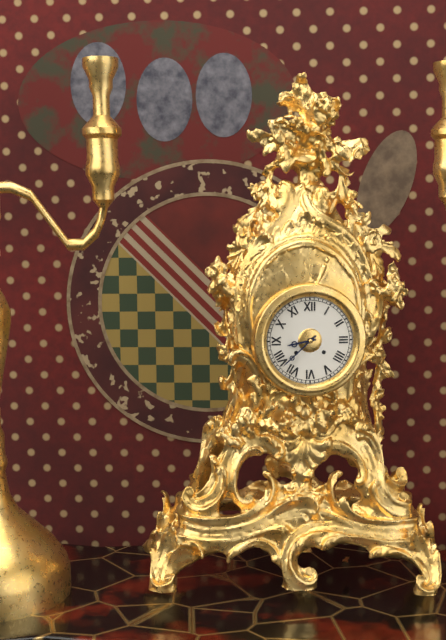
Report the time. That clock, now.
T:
8:38
